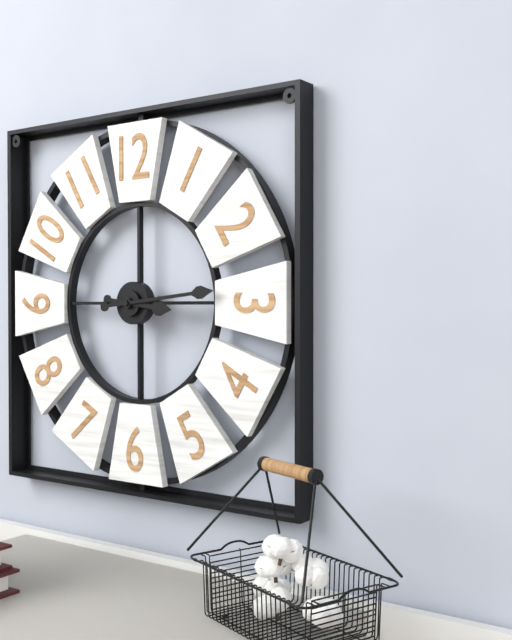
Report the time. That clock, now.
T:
3:14
